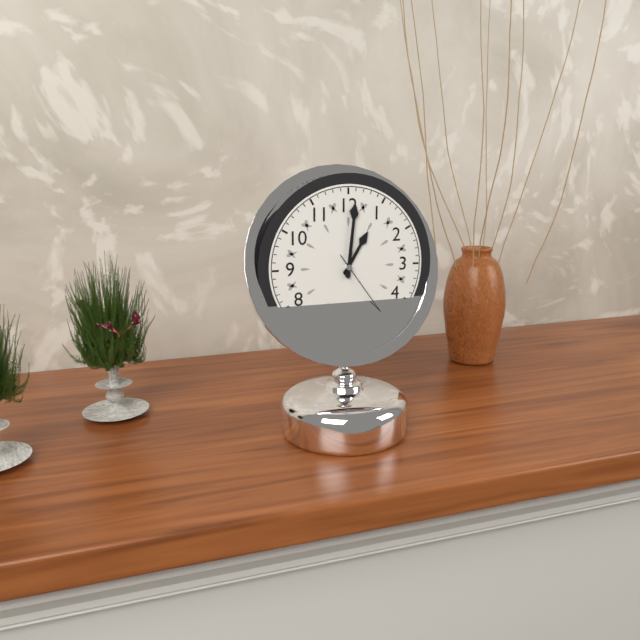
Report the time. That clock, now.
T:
1:01:24
